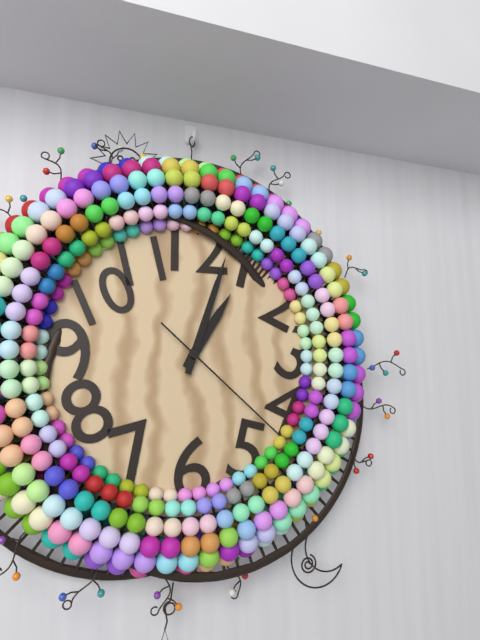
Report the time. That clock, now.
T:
1:03:22
